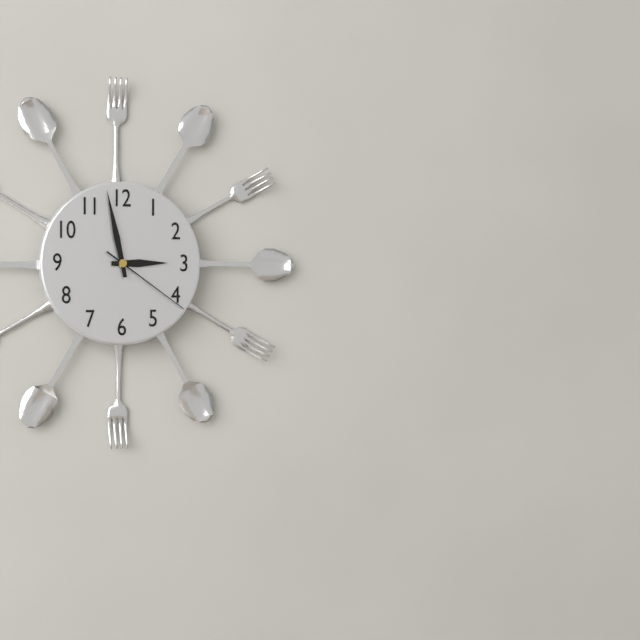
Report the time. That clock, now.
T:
2:58:21
